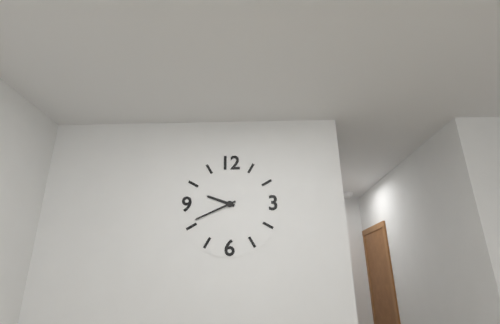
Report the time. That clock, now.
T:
9:41
